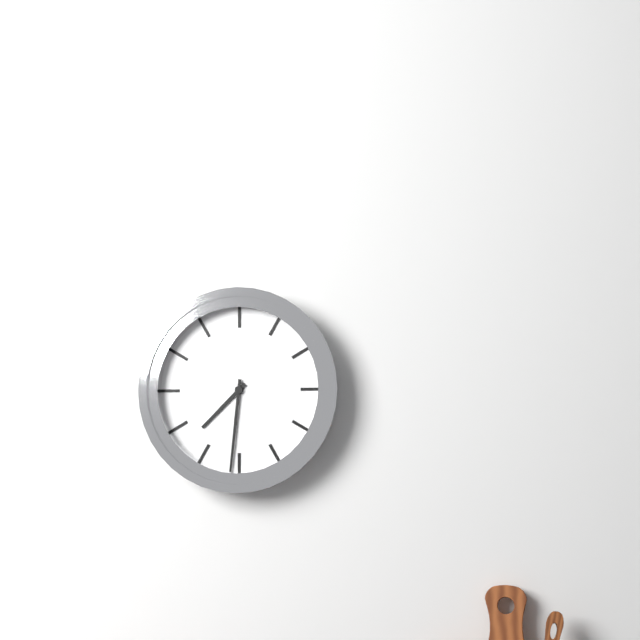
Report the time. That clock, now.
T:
7:31
